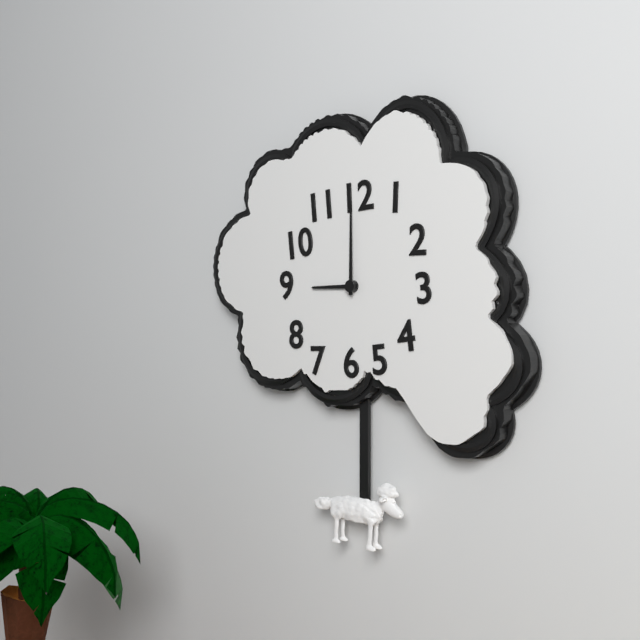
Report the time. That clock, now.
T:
9:00
